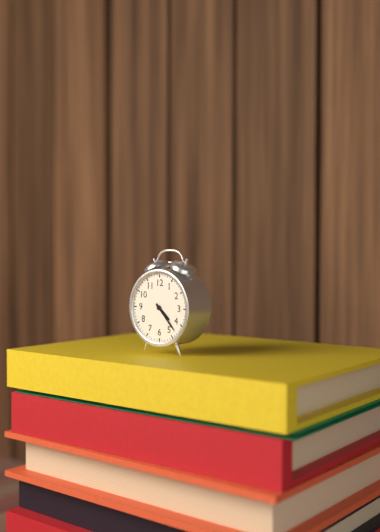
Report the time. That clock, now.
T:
4:23
